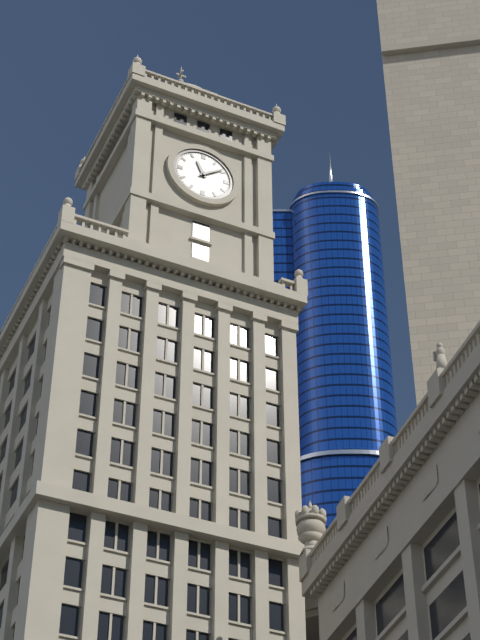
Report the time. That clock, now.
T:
11:09
